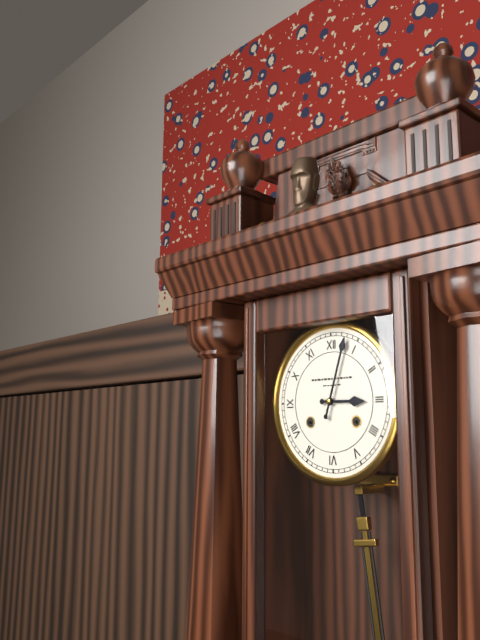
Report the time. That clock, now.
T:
3:03
